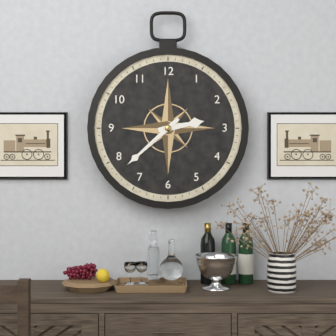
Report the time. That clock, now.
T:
2:38
